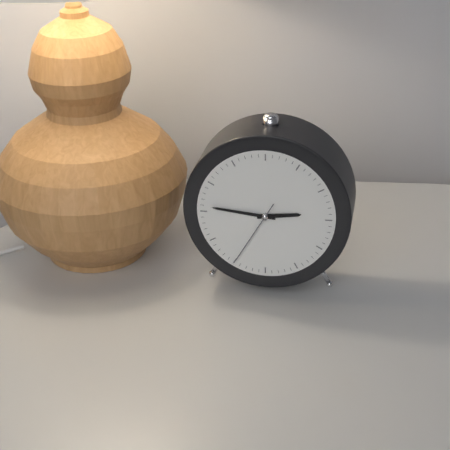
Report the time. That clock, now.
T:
2:46:35
